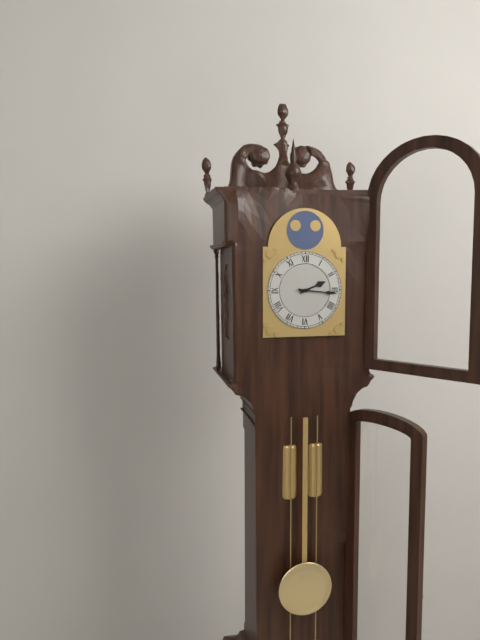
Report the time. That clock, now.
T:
2:16
